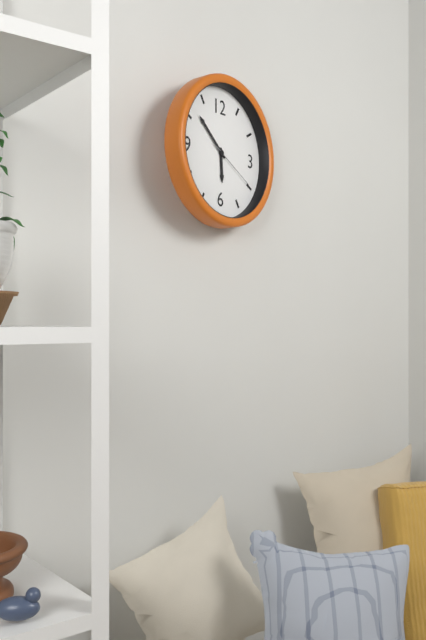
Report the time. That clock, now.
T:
5:52:20
